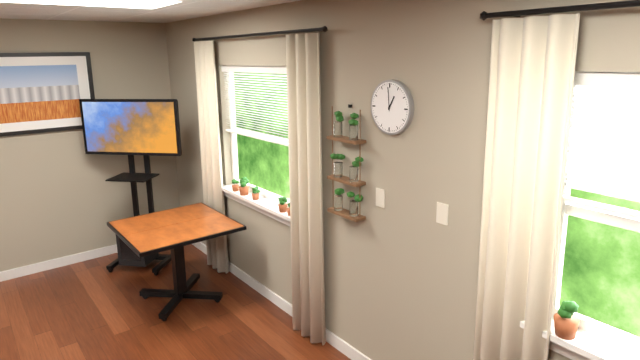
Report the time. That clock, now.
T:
12:59
